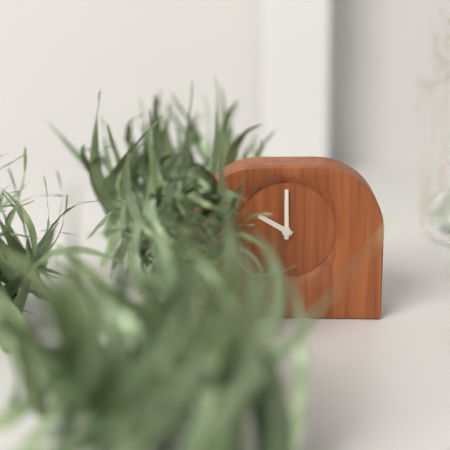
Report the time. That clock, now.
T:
10:00
